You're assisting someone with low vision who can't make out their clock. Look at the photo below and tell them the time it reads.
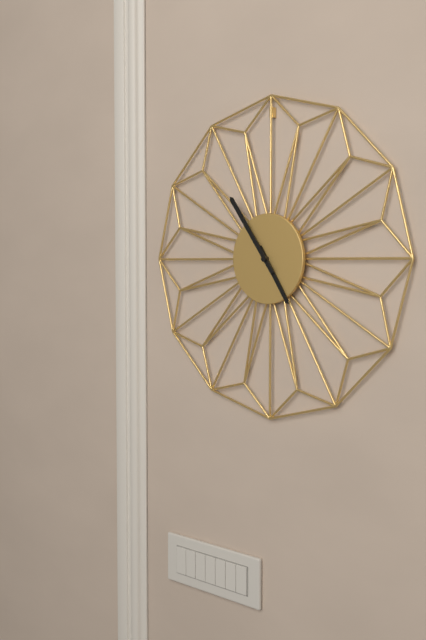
4:54
